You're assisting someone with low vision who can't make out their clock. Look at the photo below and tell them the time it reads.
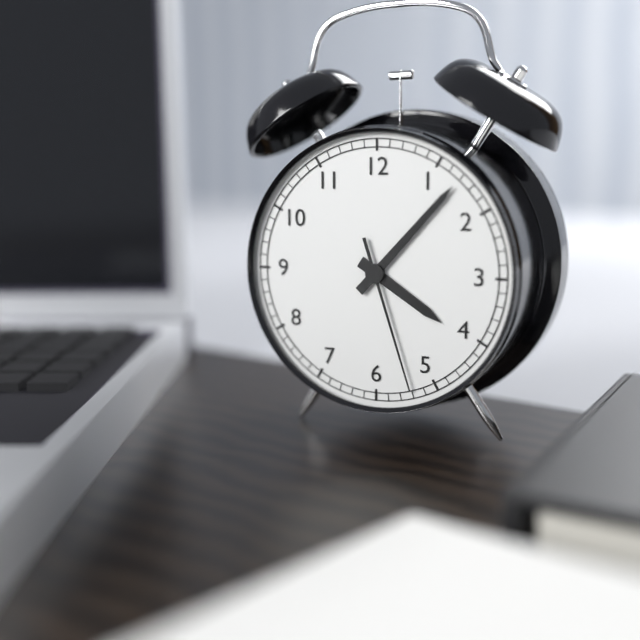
4:07:27
